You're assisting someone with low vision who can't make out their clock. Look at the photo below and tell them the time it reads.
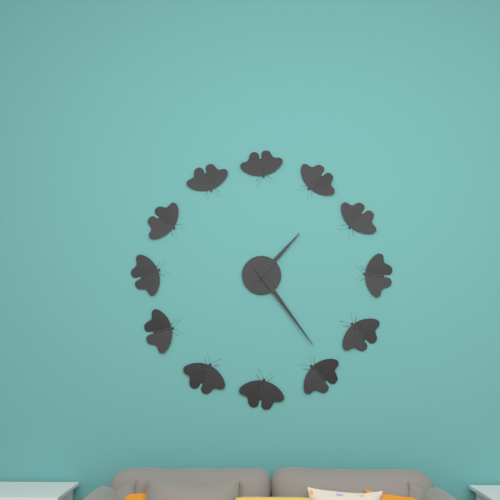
1:24
